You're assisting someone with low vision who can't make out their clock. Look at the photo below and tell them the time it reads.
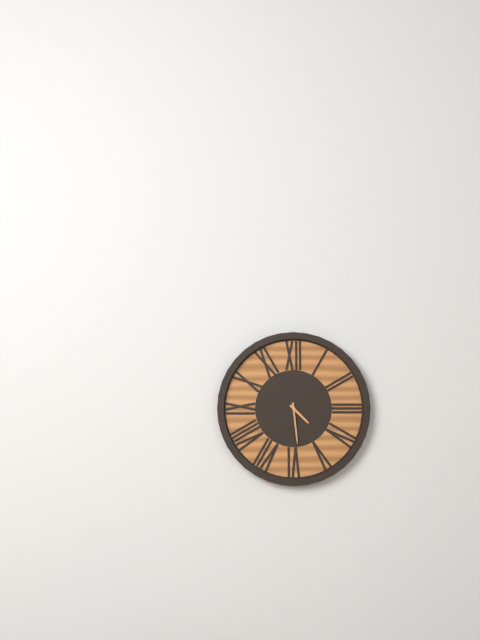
4:29
